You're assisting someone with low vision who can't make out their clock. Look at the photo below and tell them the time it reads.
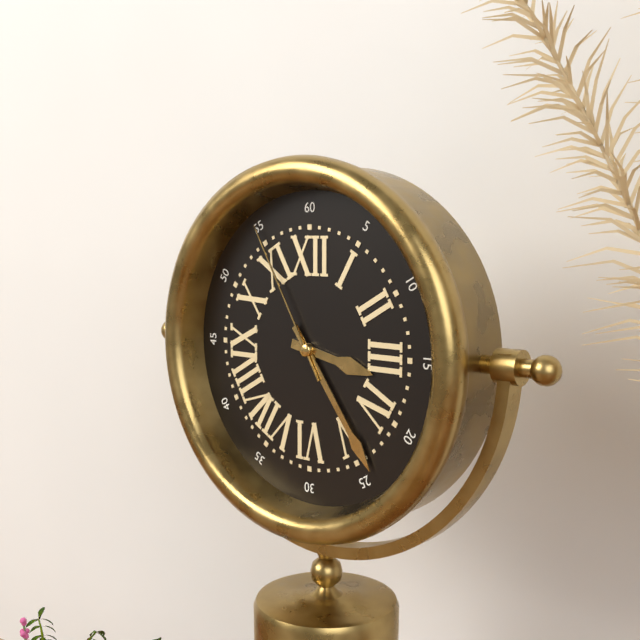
3:24:55
